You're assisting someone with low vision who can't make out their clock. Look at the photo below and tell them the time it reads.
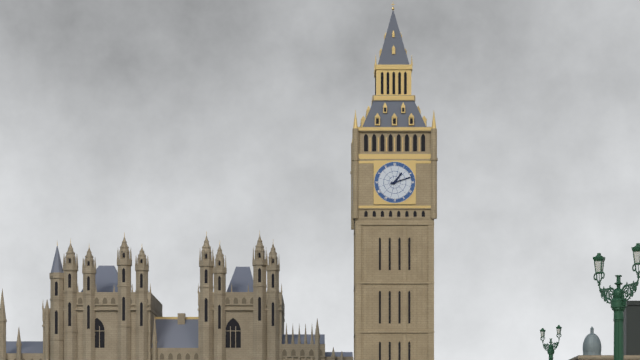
1:12
